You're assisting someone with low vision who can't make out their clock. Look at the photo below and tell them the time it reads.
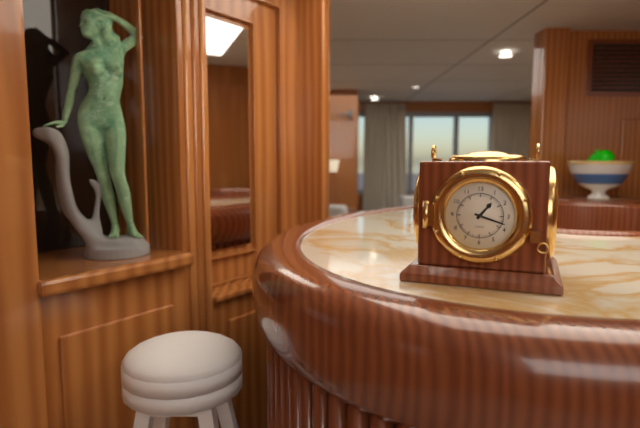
1:18
